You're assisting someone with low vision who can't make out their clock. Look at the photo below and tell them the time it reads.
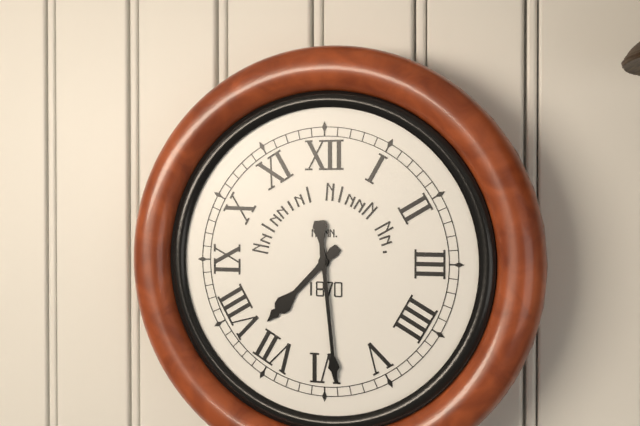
7:29
